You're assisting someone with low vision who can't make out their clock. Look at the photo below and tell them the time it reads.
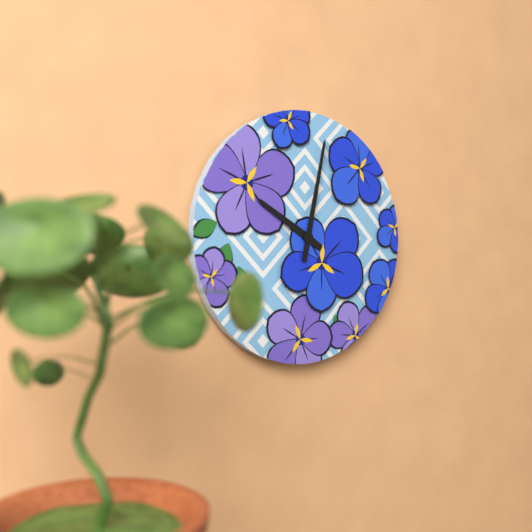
10:02
